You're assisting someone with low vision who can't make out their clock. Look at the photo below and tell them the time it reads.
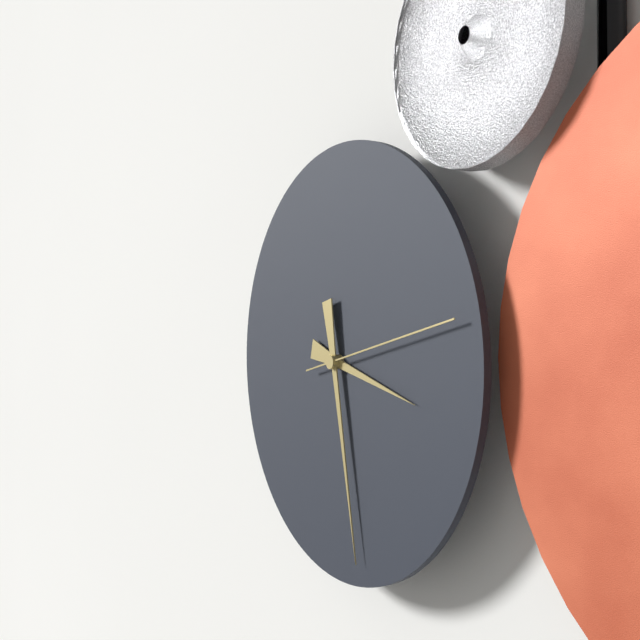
3:28:13
